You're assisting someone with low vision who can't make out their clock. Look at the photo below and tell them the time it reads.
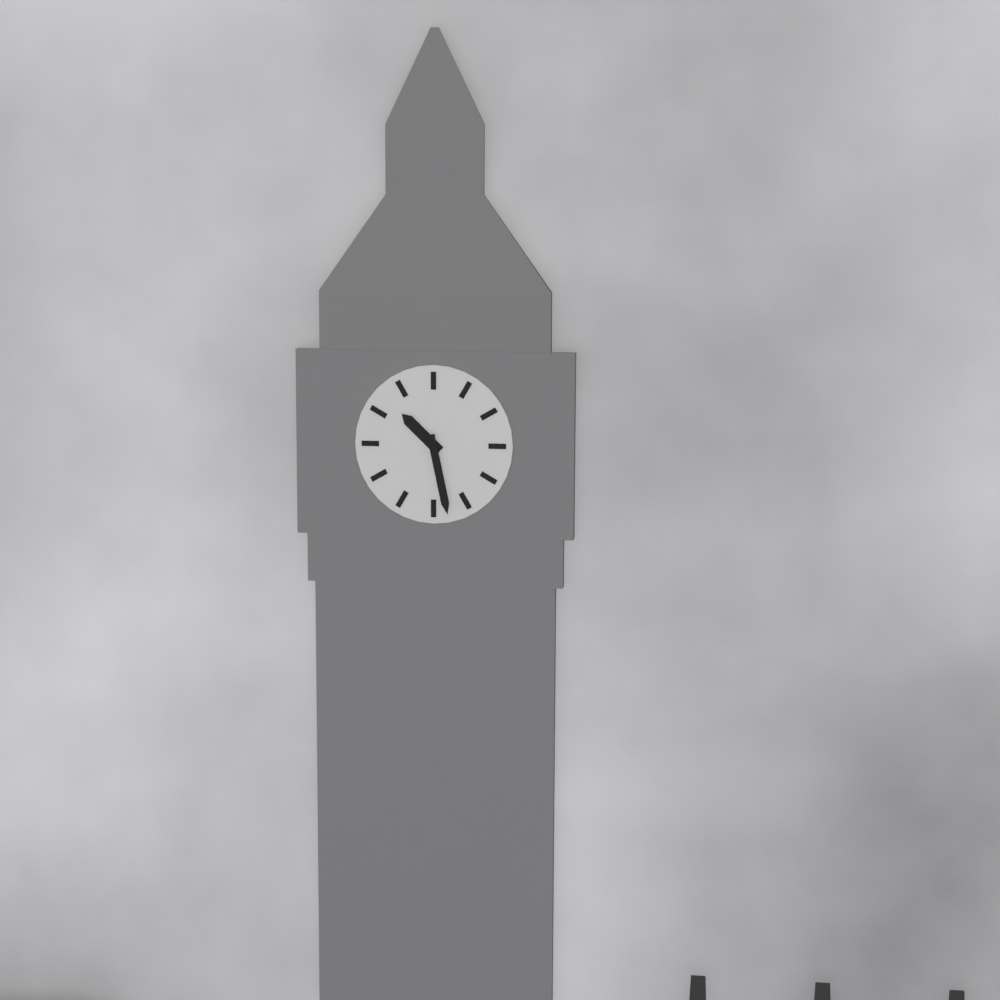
10:28
